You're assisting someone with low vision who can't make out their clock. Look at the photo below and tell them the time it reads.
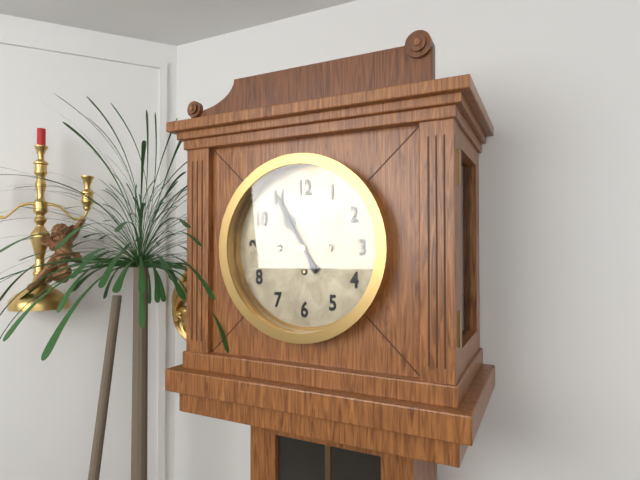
10:55
